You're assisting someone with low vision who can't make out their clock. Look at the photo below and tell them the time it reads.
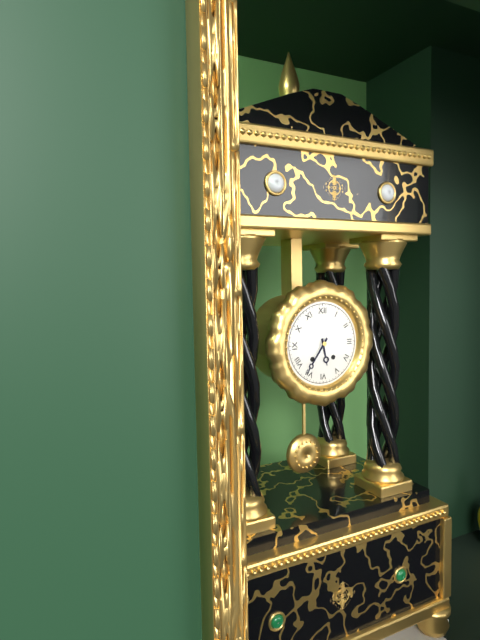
5:36
